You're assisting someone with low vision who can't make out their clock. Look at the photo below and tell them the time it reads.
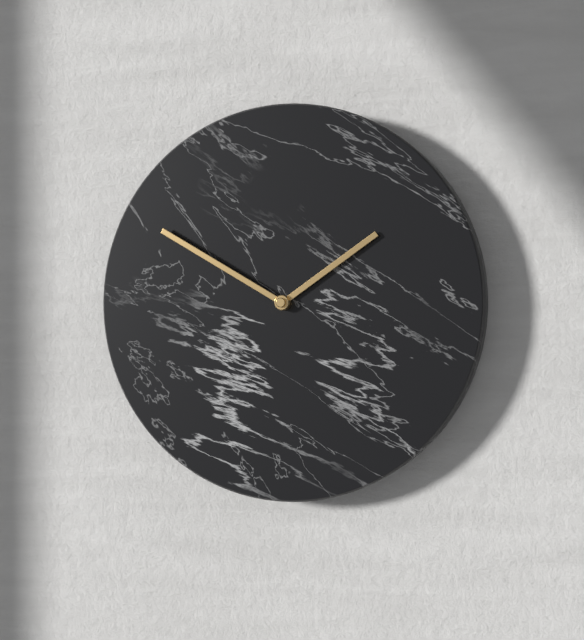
1:50
